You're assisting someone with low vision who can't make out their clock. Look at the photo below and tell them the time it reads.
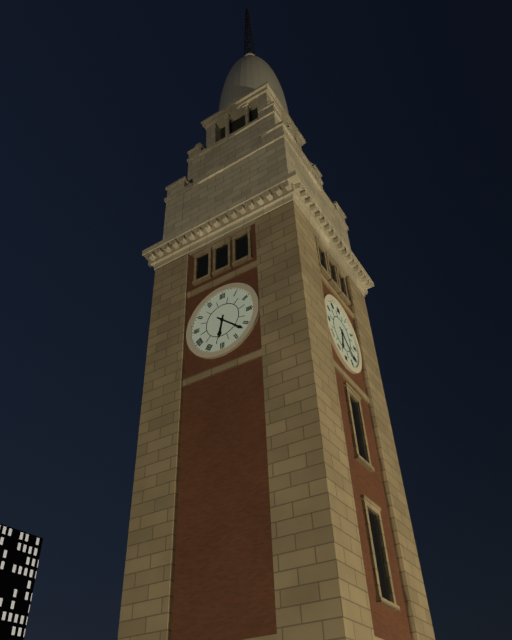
6:22
